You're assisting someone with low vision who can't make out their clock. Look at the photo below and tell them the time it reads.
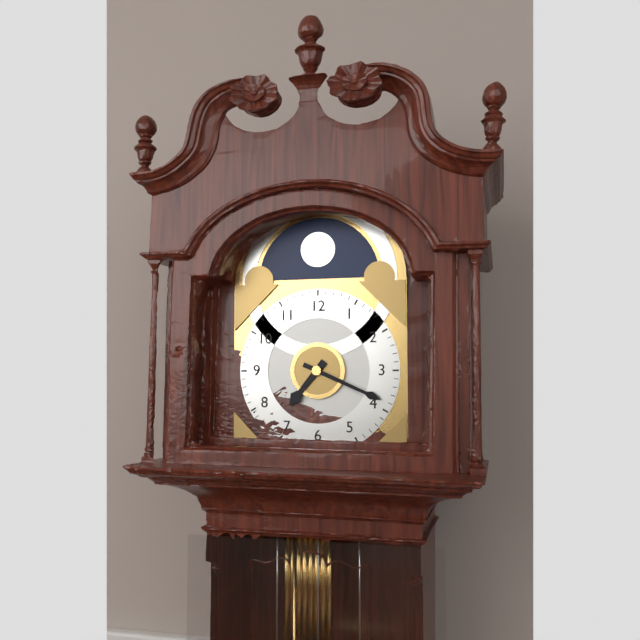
7:19
